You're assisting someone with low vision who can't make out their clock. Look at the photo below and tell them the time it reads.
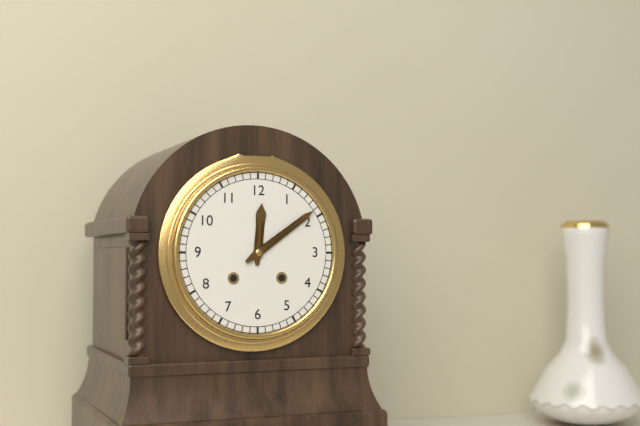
12:09
